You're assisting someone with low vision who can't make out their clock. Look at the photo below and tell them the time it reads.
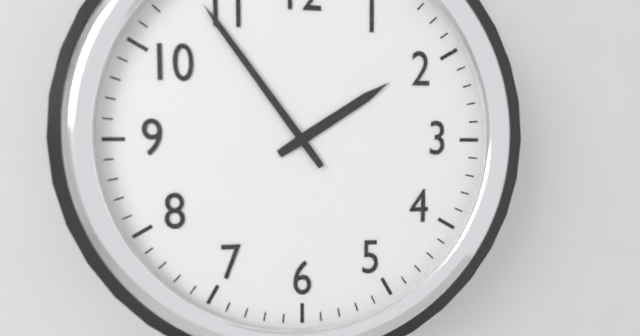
1:54
